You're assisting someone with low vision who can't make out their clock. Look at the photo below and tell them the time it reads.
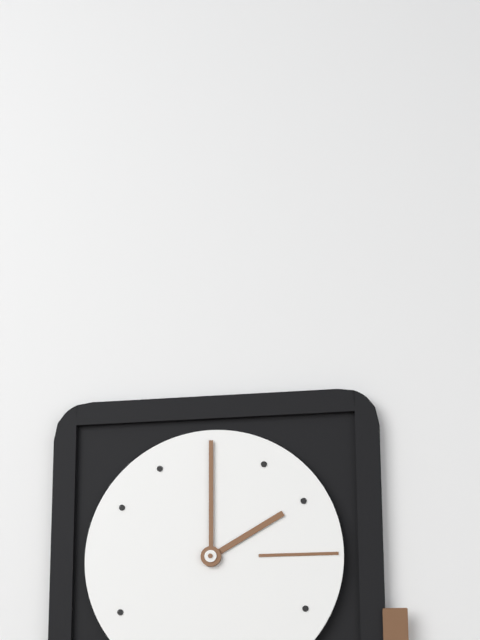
2:00
